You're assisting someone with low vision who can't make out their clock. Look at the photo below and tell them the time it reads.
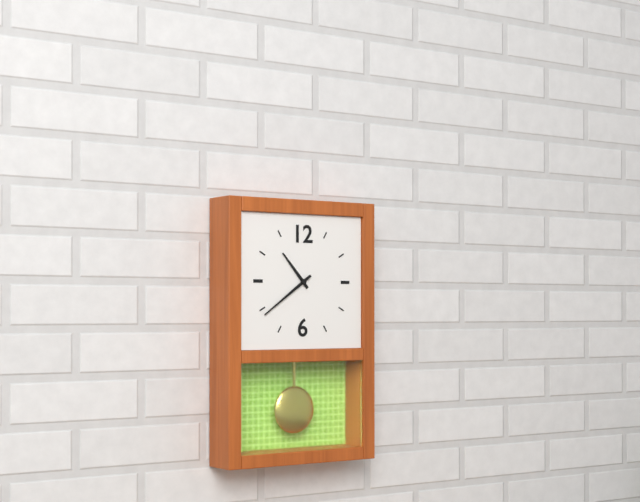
10:39
